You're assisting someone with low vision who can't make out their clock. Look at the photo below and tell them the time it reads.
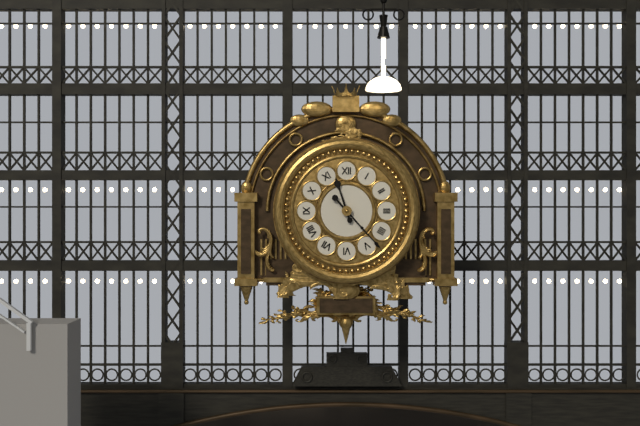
11:23
